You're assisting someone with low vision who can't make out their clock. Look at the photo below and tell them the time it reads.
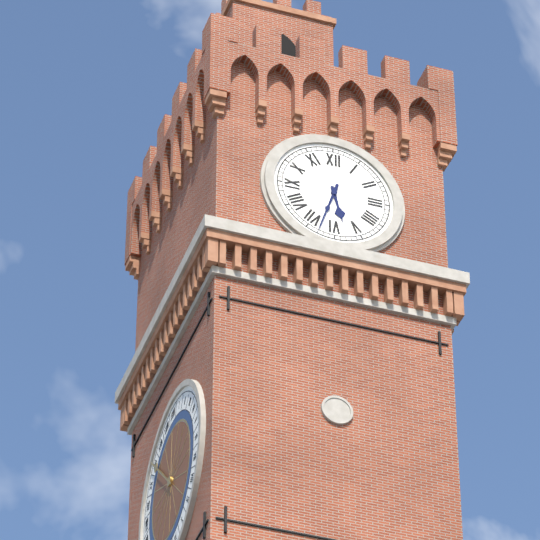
5:33
